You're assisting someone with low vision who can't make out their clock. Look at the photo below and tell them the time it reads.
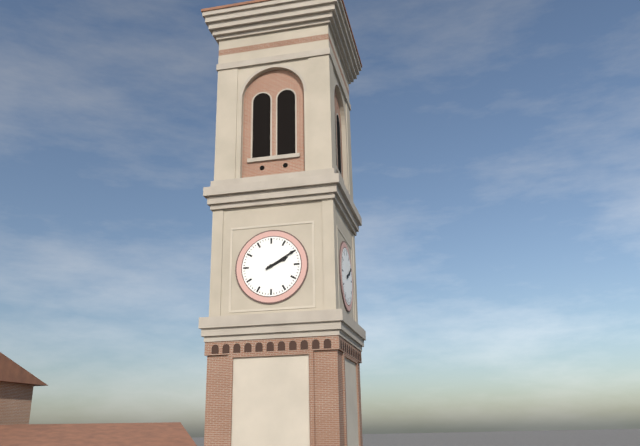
2:10
